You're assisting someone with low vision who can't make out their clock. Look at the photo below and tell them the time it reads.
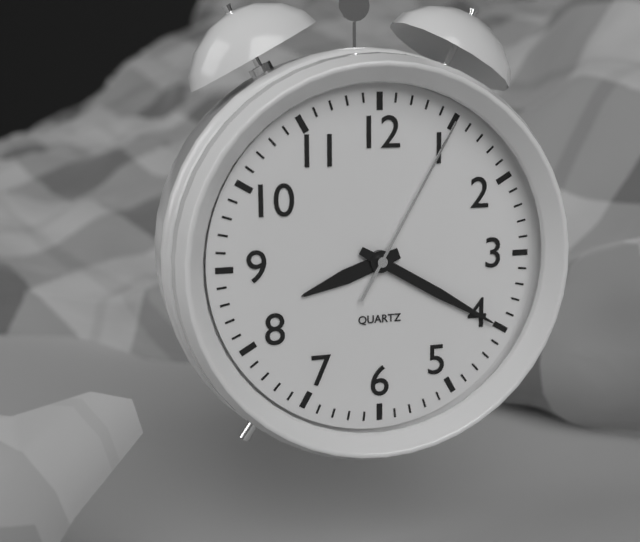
8:20:05
